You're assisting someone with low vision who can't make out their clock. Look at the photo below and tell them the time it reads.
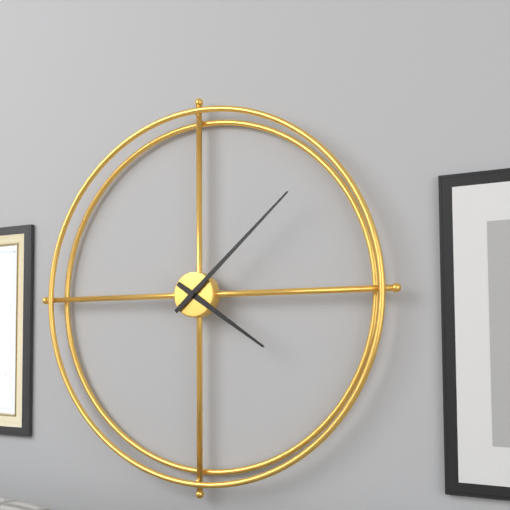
4:08
